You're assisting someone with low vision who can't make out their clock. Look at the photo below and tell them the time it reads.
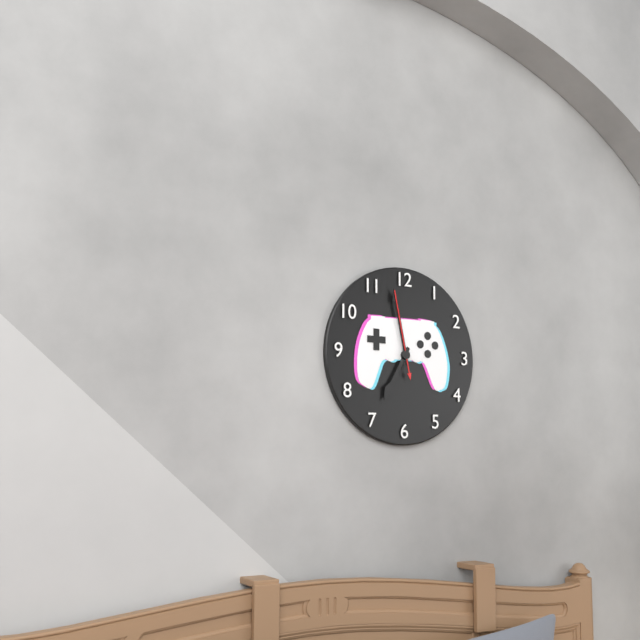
6:58:58
